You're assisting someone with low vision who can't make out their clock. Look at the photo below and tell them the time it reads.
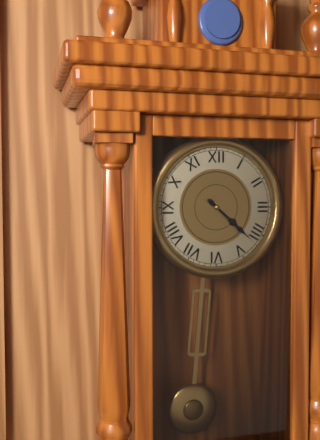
4:22
